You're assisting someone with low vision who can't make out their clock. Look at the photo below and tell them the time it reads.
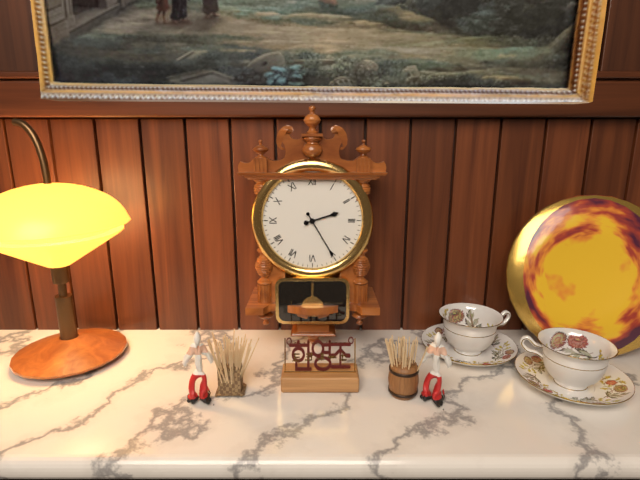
2:25
